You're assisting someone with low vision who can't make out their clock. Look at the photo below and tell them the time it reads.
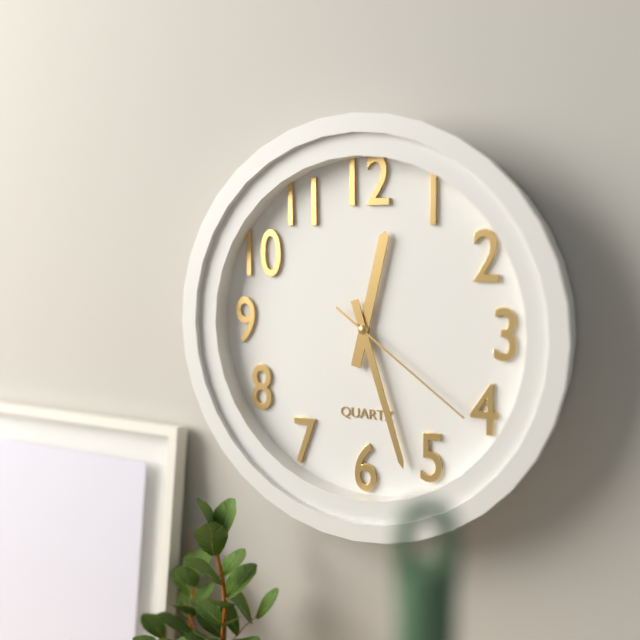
12:27:21
